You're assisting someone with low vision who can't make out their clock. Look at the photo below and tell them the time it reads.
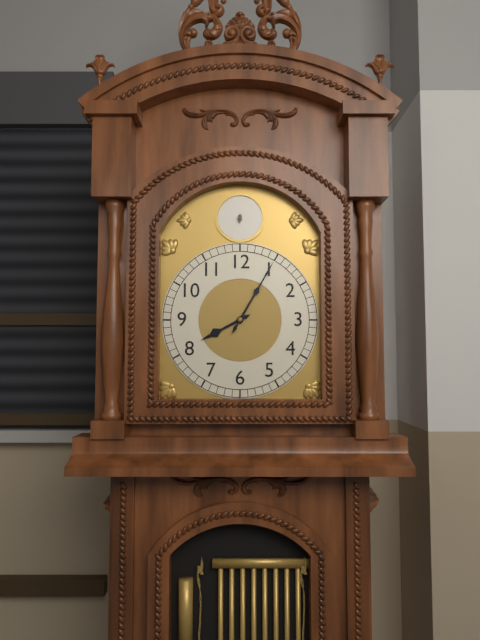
8:05
